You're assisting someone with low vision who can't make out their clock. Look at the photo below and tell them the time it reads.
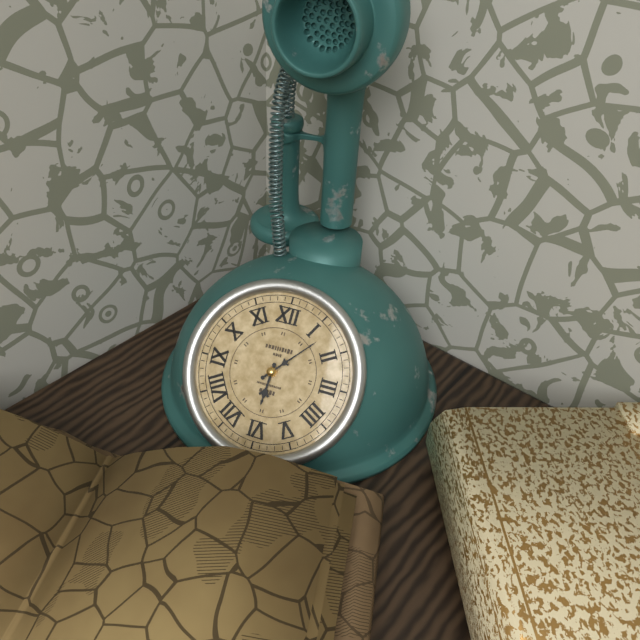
6:07
